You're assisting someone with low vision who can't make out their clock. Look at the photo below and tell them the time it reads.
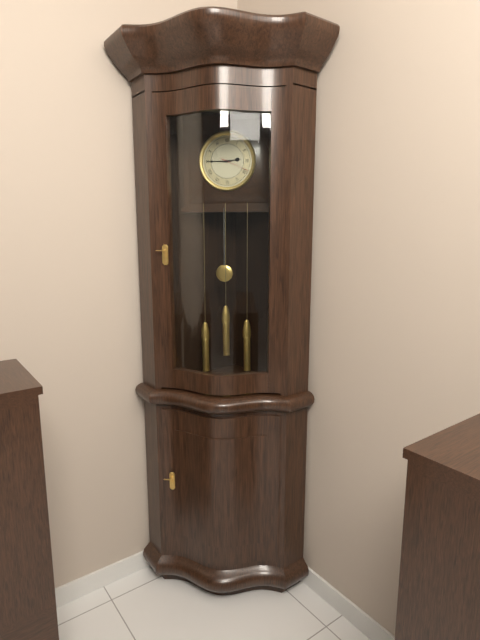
2:45
